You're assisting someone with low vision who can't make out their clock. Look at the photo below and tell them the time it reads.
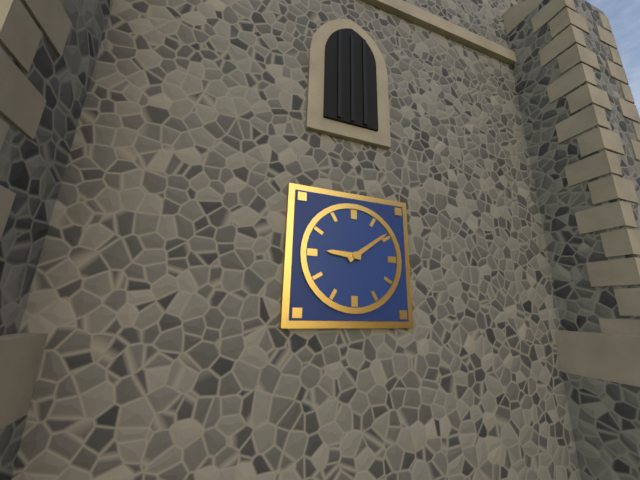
9:09
